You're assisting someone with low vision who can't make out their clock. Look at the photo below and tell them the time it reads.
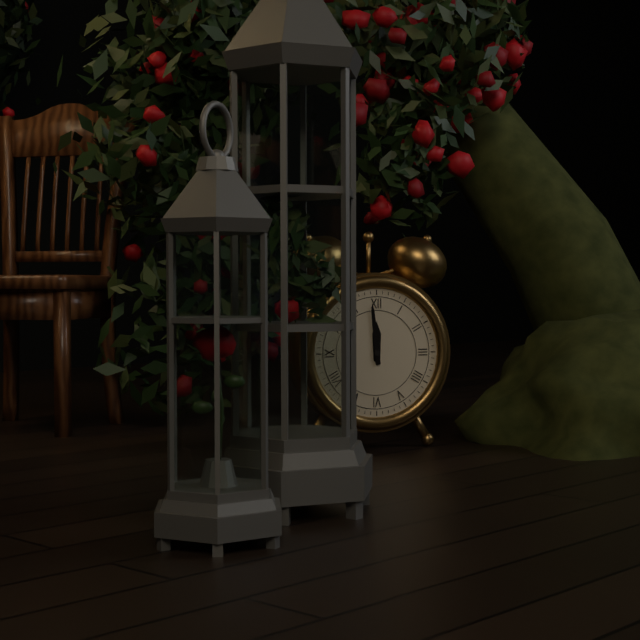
11:59
